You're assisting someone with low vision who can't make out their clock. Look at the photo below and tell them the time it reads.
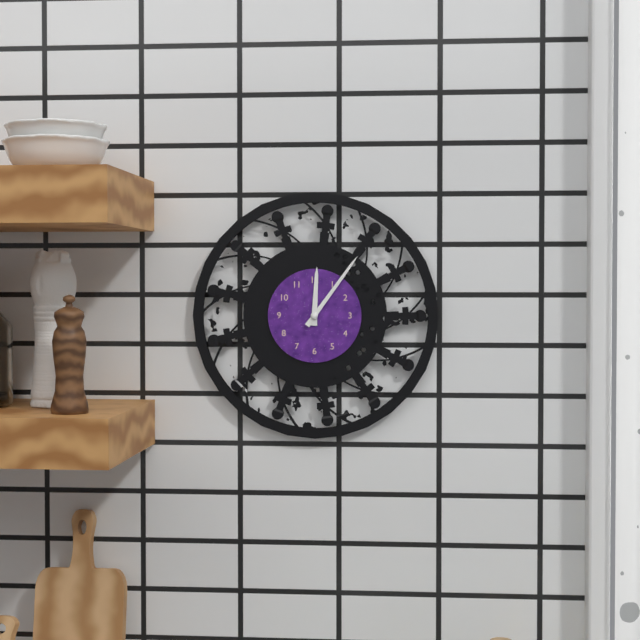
12:06
